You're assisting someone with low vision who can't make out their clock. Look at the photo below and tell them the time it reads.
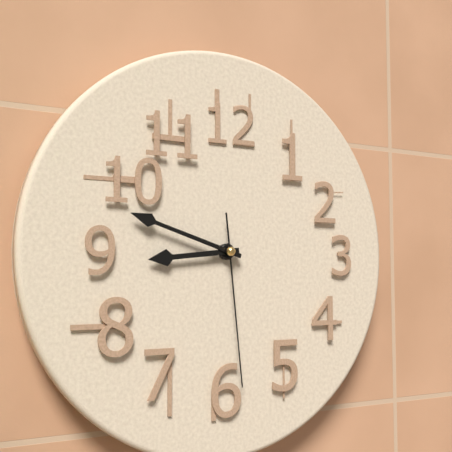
8:48:29
